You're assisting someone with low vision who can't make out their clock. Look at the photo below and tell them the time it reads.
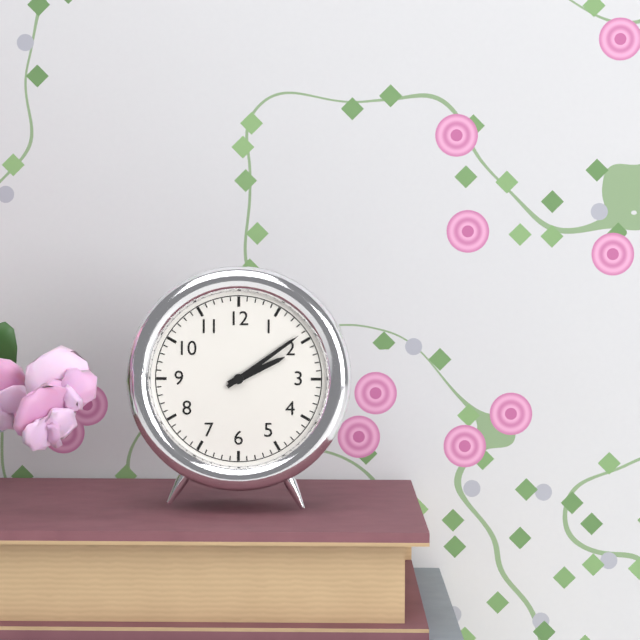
2:09
